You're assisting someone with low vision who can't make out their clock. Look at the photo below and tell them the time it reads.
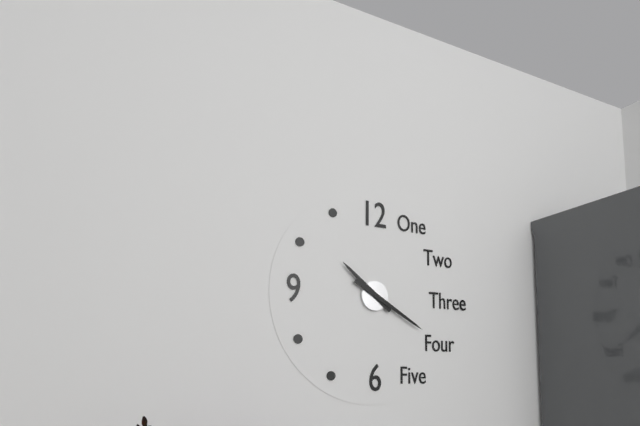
10:20
